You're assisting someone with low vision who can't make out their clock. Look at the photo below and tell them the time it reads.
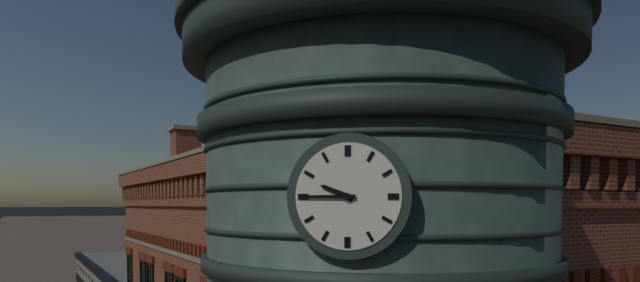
9:45
